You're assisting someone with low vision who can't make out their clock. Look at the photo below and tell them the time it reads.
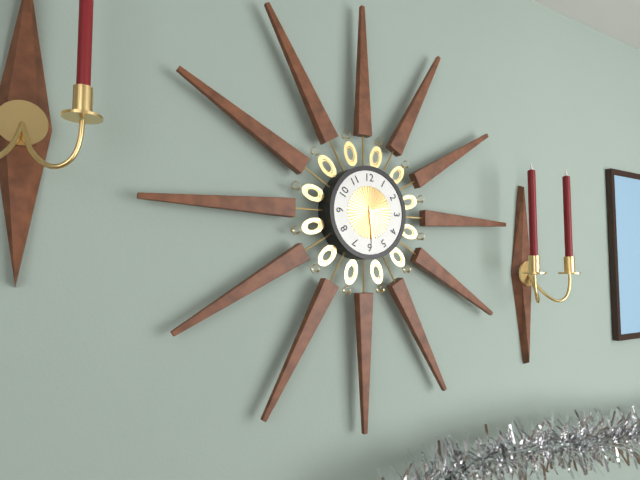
2:29
